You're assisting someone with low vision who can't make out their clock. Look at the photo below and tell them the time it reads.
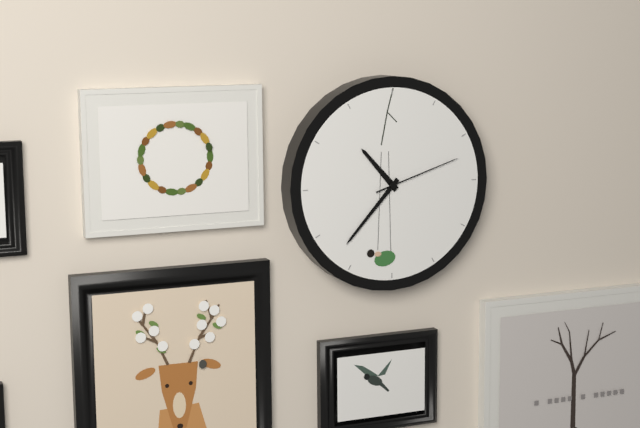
10:37:12
